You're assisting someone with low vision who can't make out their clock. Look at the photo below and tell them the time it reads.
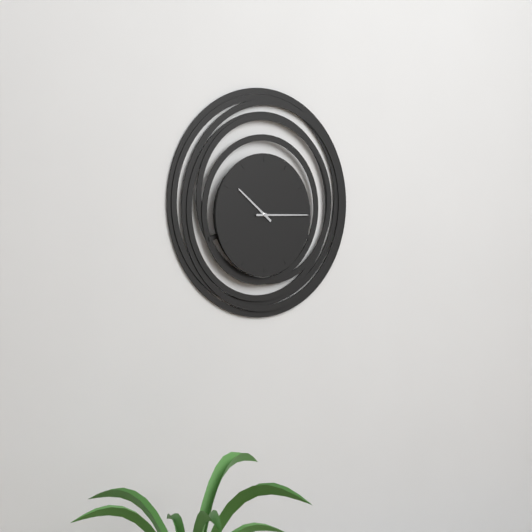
10:15
